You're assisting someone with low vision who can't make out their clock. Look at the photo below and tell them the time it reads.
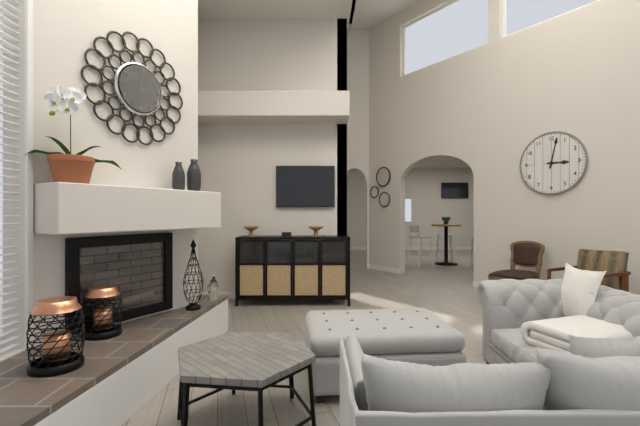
3:02
